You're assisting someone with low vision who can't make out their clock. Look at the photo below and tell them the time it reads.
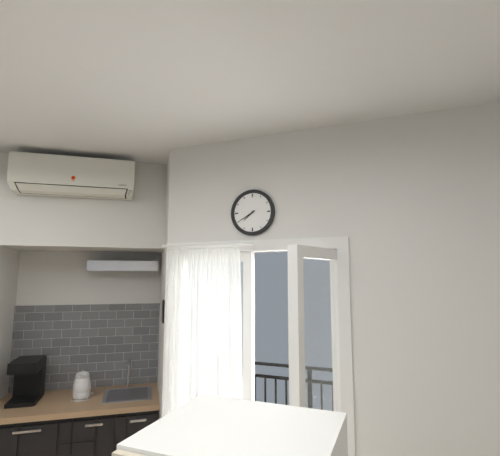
7:40
